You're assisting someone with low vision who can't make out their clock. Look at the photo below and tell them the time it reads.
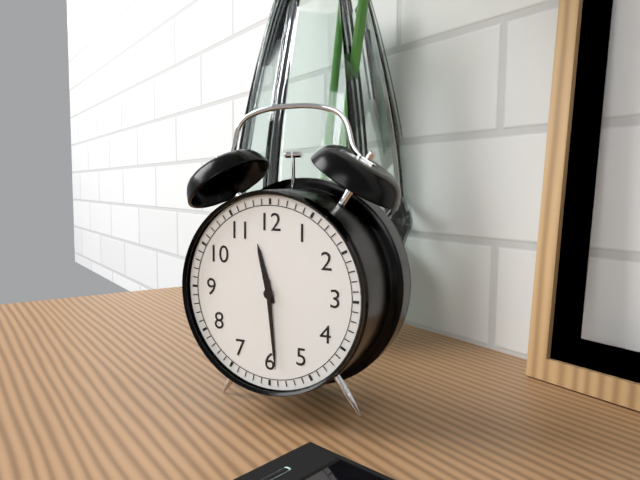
11:29
